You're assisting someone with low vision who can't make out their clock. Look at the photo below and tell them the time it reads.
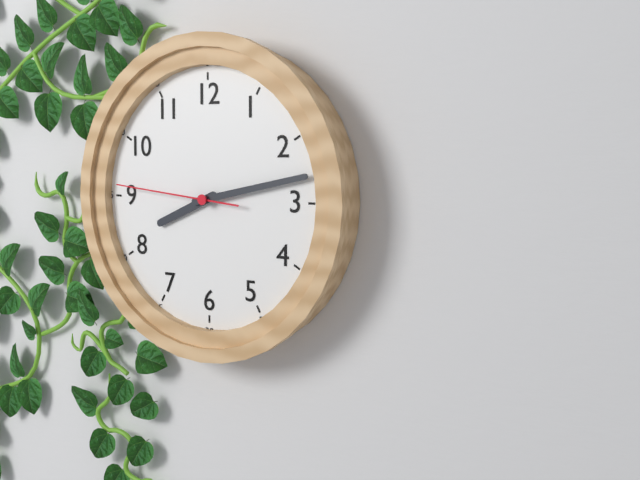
8:13:46
